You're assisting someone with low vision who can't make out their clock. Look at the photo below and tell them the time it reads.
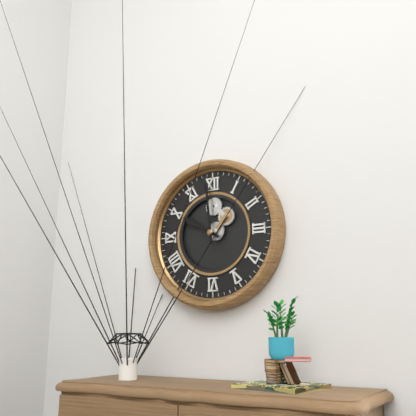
9:59
